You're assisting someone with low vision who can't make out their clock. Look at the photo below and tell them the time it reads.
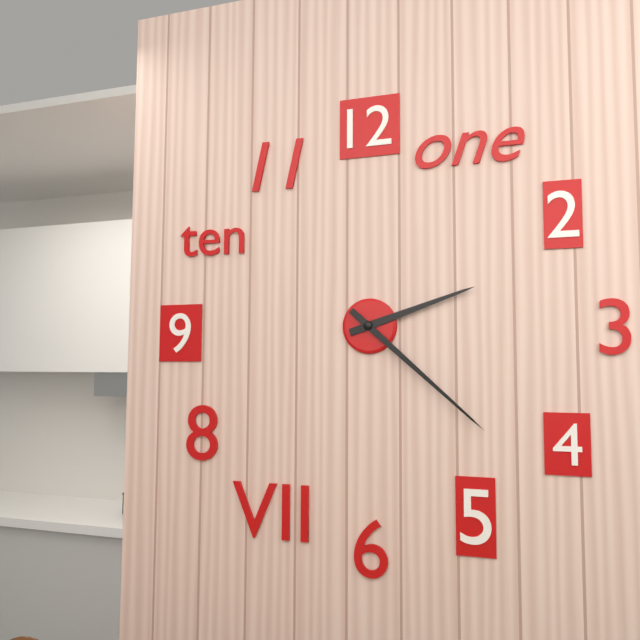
2:22
